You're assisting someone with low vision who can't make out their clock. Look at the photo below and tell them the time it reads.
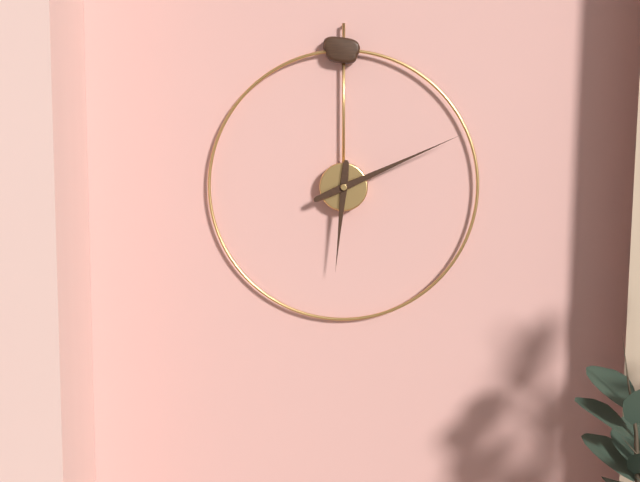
6:11
